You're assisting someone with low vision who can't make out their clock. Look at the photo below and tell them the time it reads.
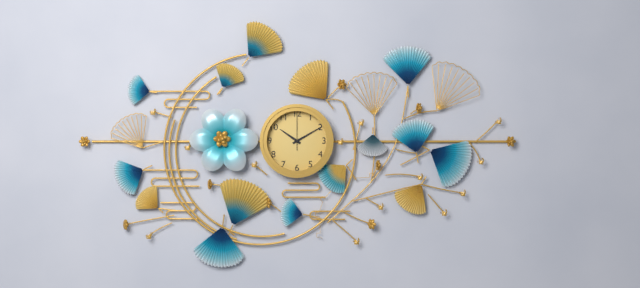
10:10
